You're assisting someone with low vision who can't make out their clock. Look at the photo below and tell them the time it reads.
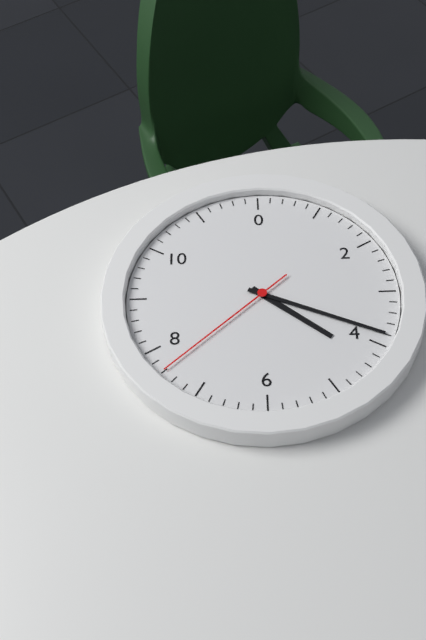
4:19:38
